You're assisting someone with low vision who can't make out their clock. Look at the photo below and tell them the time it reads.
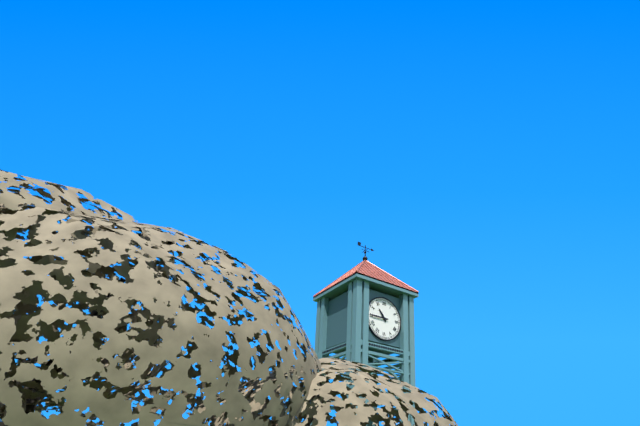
10:45
